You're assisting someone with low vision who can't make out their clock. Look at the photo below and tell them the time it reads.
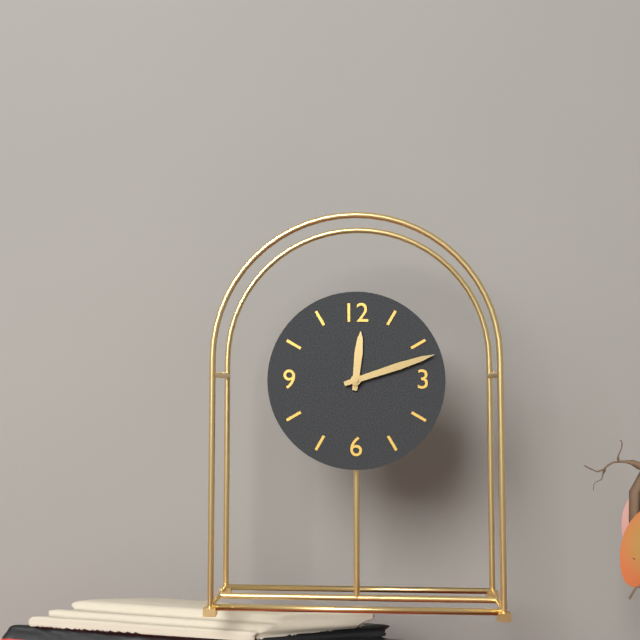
12:12
